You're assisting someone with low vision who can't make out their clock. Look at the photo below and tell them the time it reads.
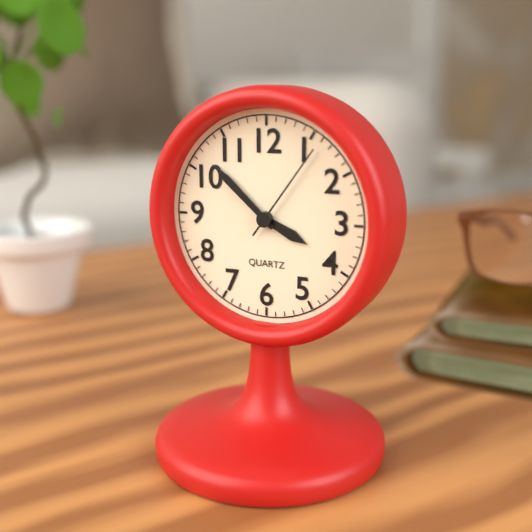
3:52:06
